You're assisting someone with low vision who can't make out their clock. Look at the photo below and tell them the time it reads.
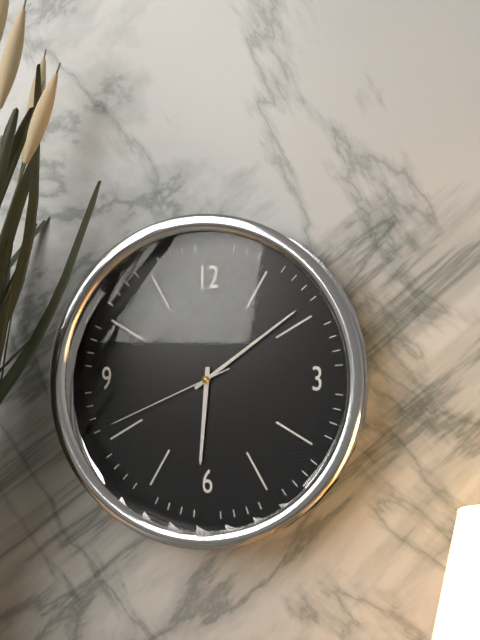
6:09:41
